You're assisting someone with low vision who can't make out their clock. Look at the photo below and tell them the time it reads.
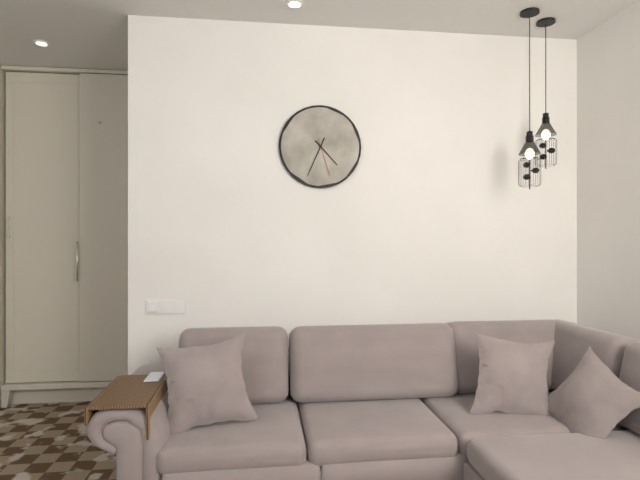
4:34
